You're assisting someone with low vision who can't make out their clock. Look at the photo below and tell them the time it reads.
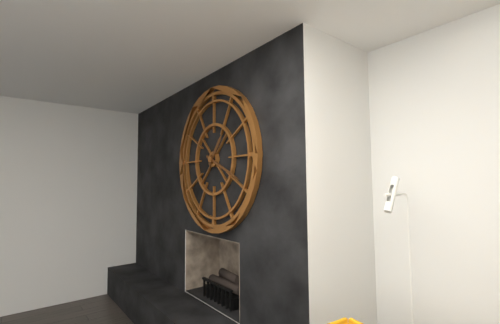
1:19
